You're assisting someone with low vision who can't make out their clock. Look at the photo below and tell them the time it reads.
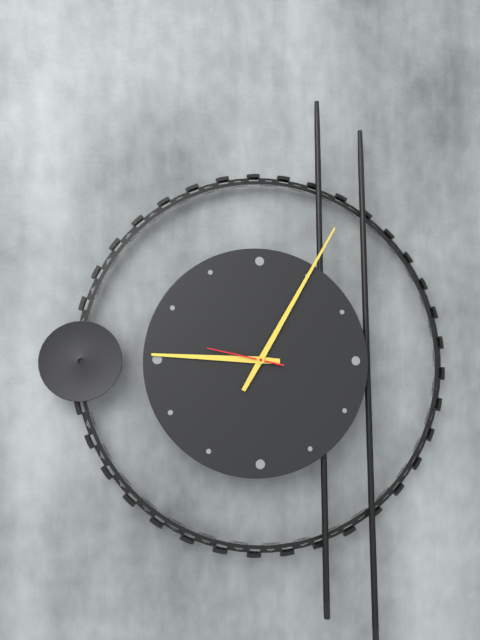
9:05:47
